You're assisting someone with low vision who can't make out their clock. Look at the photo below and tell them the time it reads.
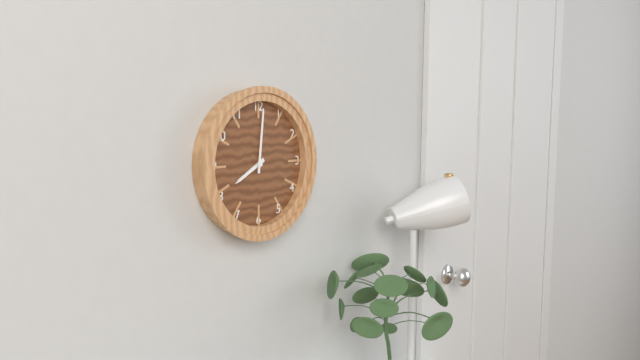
8:01
